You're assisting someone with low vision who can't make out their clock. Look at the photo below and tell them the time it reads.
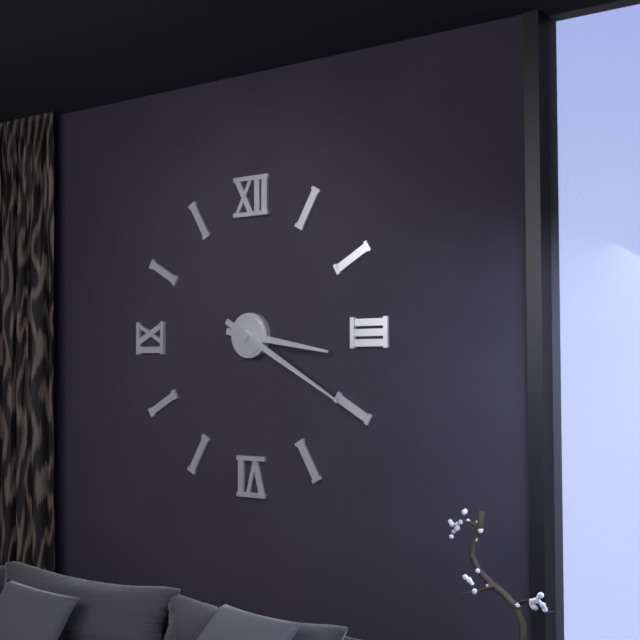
3:20
